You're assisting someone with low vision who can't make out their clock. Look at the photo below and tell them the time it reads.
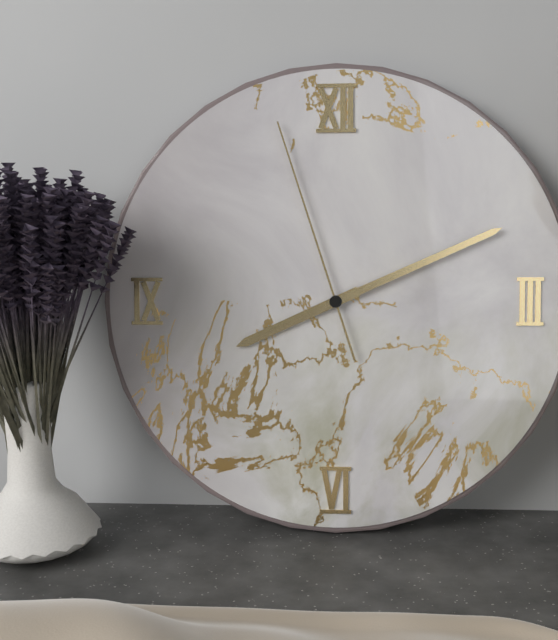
8:11:57
